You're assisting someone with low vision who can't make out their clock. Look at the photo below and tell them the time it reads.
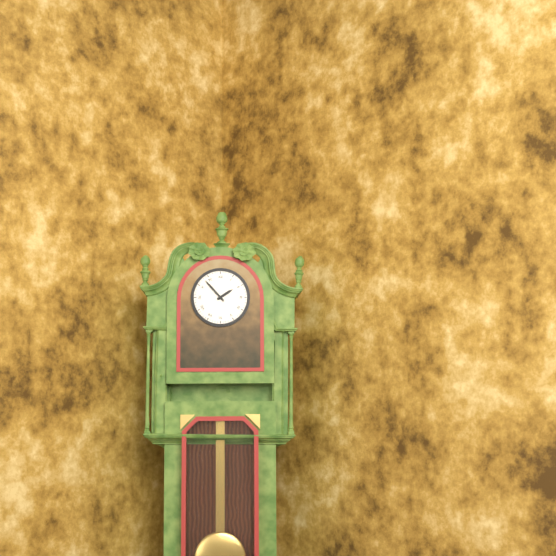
1:53
